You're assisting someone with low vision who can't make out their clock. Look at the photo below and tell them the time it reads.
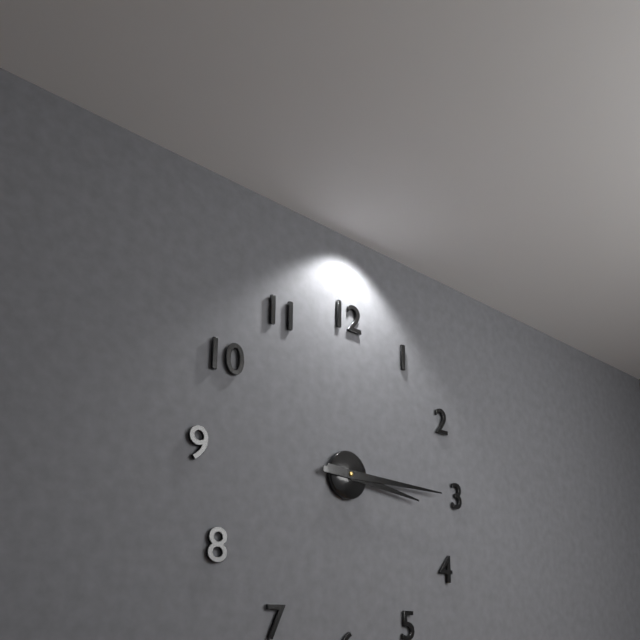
3:15
